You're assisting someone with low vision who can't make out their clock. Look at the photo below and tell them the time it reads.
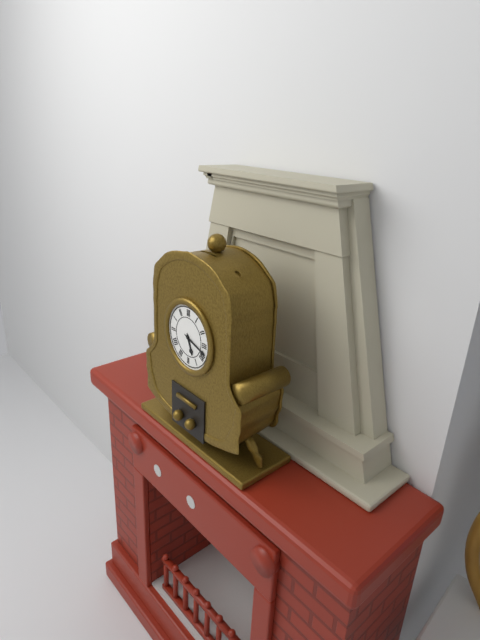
5:18
